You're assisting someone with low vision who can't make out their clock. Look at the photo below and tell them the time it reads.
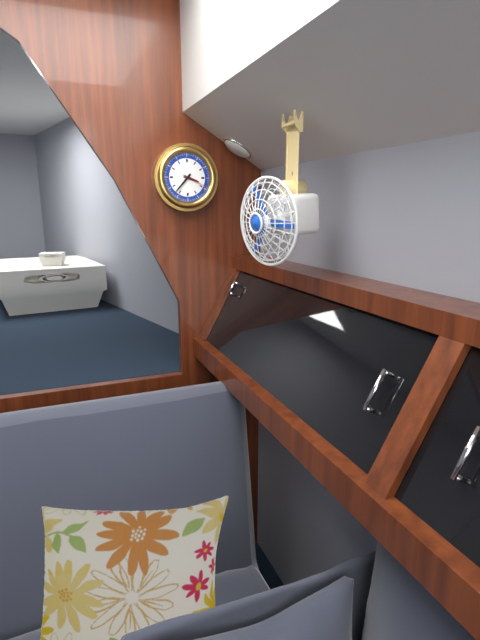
3:37
